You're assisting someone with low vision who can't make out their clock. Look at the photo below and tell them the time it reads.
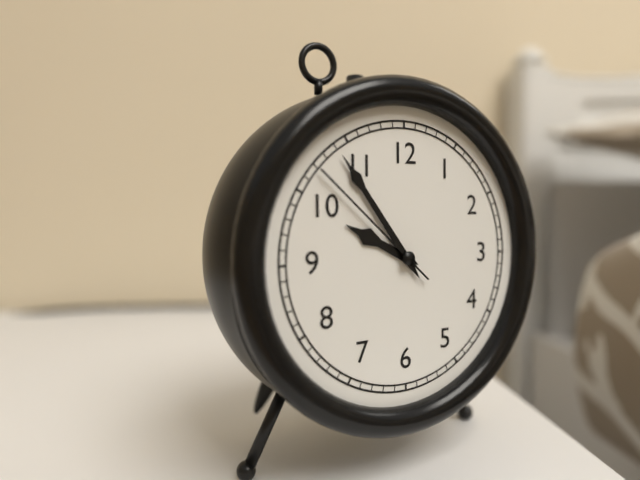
9:54:52
